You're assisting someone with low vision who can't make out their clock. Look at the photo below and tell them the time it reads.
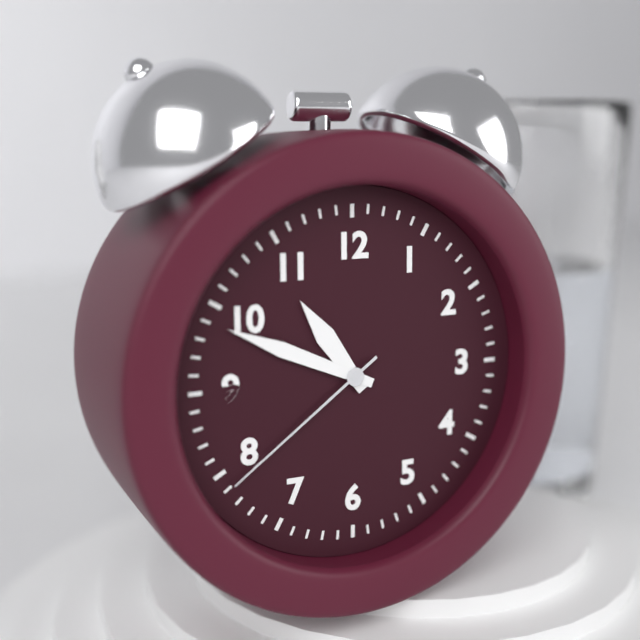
10:49:39
